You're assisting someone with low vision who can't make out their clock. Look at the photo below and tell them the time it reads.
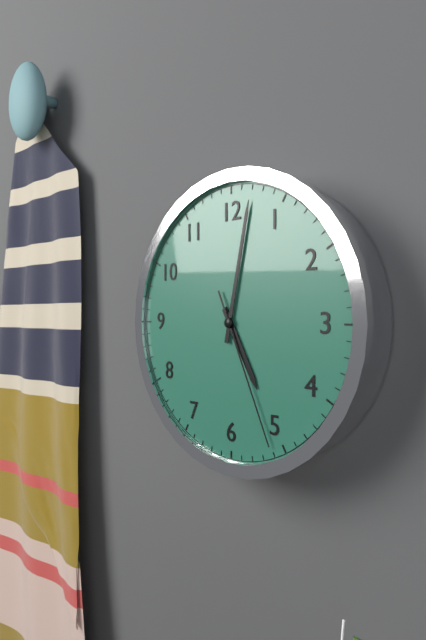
5:02:26
